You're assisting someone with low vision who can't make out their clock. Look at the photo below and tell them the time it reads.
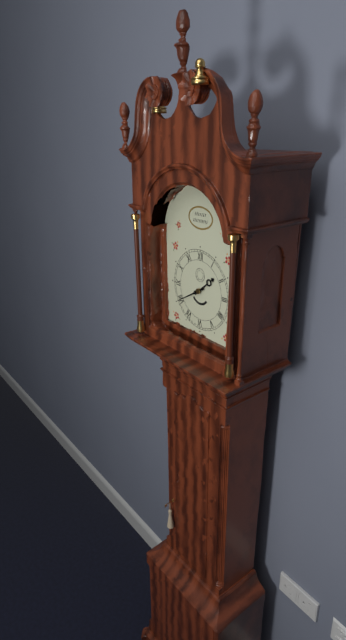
1:40
